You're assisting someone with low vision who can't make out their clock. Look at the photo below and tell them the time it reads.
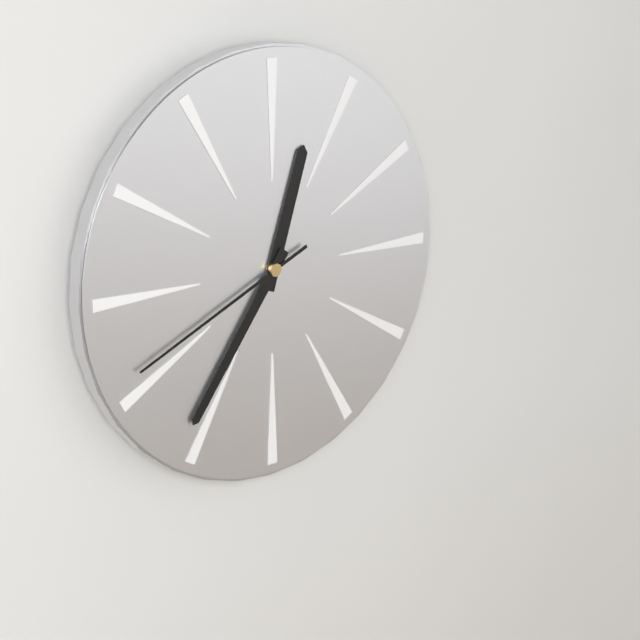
12:36:41
